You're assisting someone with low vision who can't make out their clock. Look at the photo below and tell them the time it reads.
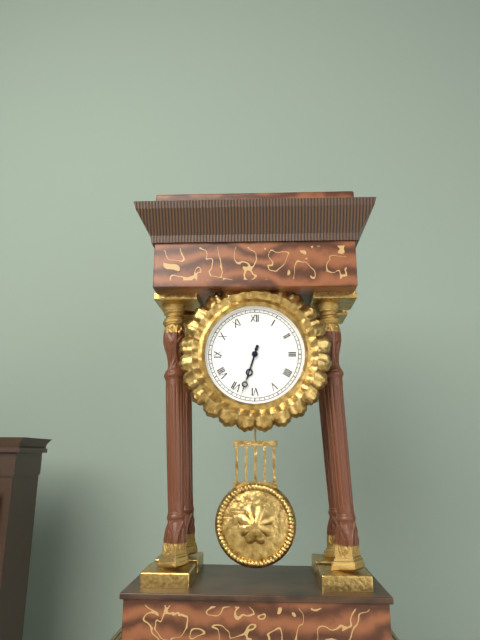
6:33
